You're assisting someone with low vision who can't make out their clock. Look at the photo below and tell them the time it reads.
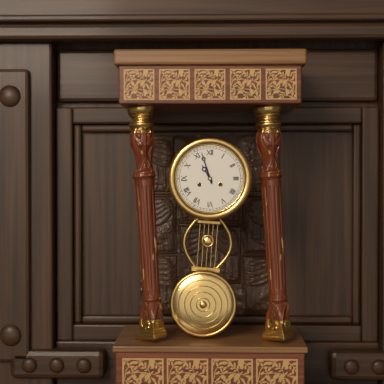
10:57
